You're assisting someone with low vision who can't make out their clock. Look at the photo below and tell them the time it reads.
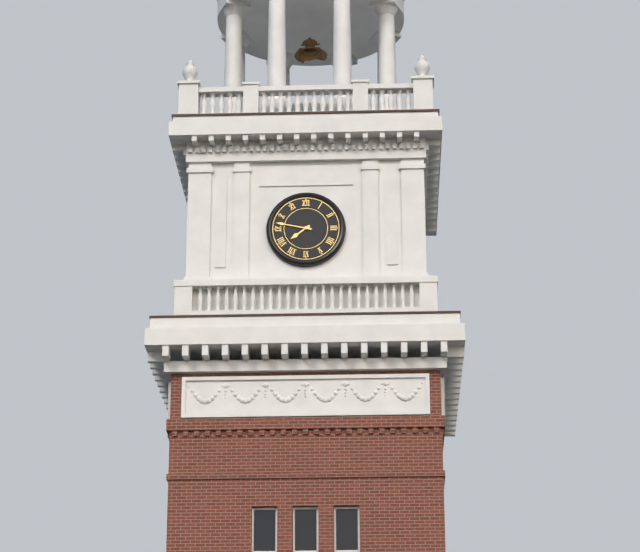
7:47
